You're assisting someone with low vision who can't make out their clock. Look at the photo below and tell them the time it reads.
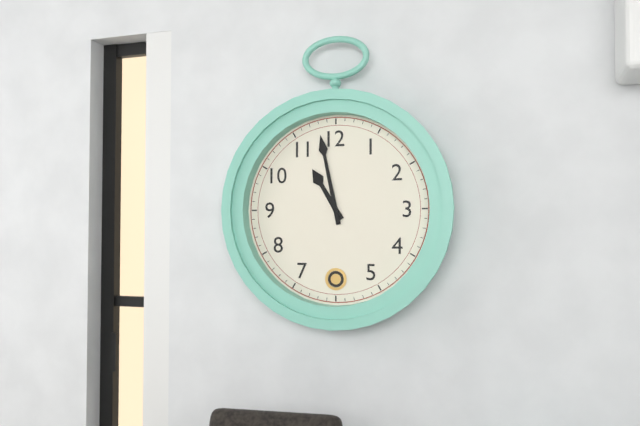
10:58
